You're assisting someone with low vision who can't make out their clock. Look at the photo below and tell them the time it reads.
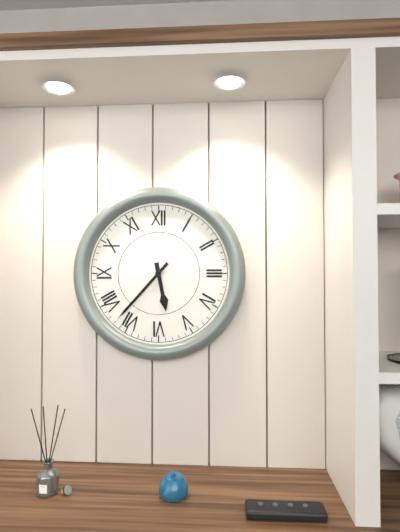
5:37
